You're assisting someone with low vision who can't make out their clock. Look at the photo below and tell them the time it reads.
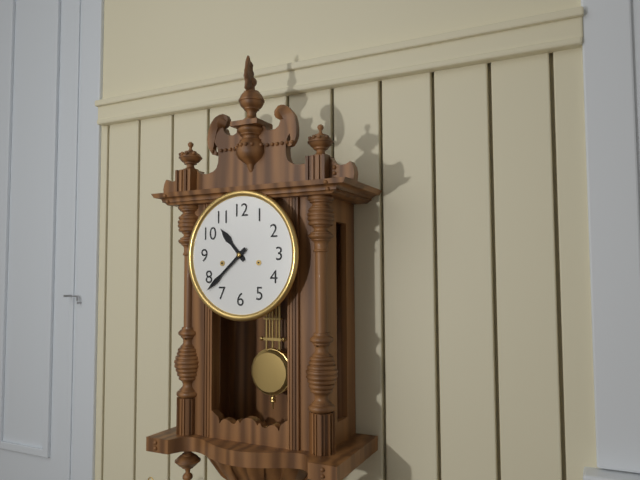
10:38
